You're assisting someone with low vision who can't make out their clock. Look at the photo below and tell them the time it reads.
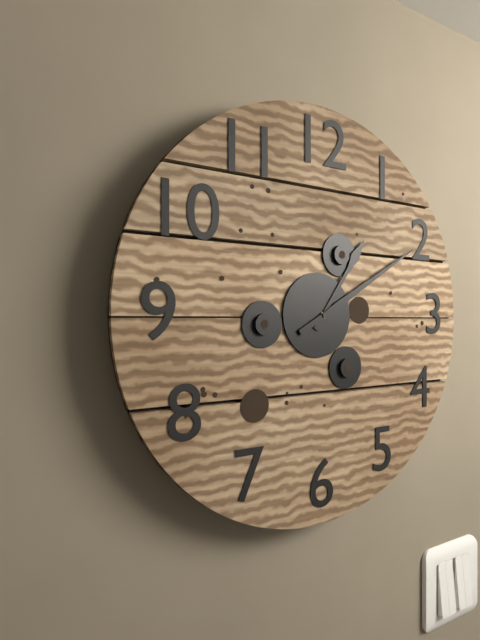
1:10
